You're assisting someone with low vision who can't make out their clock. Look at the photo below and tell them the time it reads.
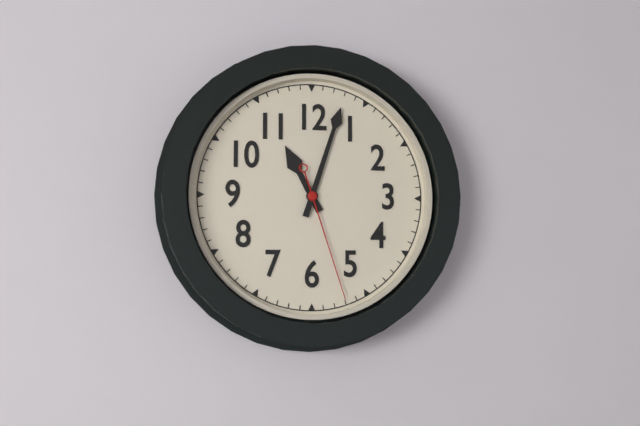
11:03:27
